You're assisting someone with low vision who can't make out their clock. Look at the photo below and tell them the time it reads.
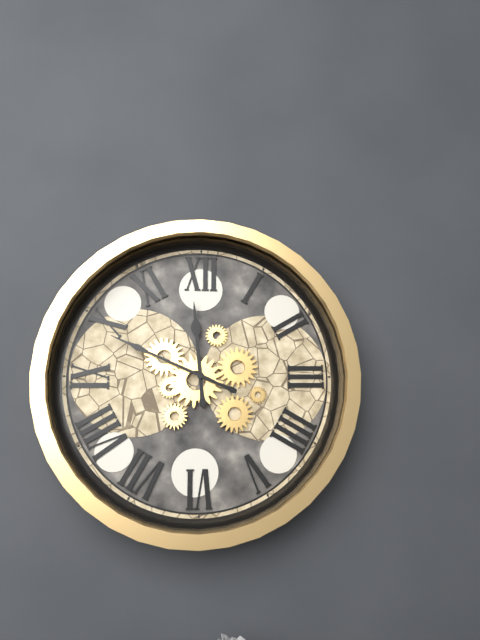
11:49
